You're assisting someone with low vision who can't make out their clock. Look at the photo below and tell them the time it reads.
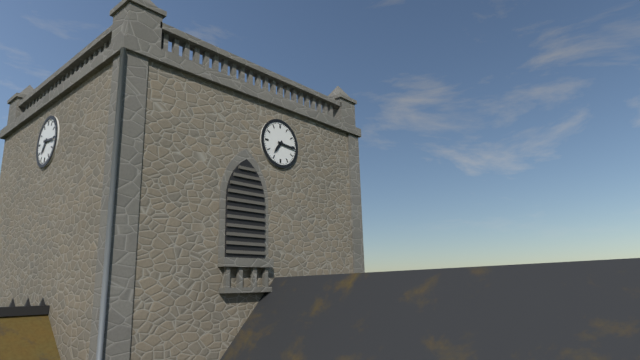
7:16
